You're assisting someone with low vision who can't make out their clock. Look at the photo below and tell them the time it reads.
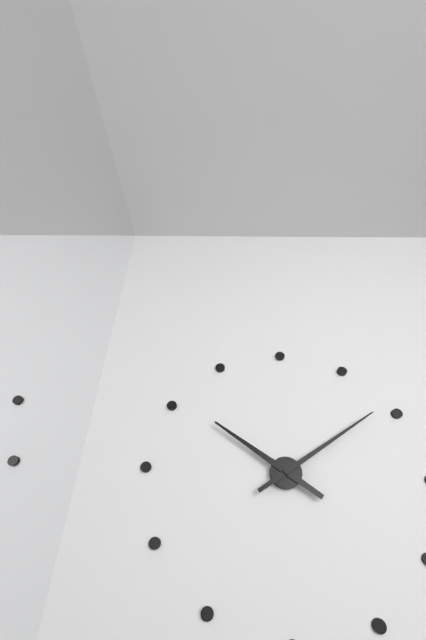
10:09
